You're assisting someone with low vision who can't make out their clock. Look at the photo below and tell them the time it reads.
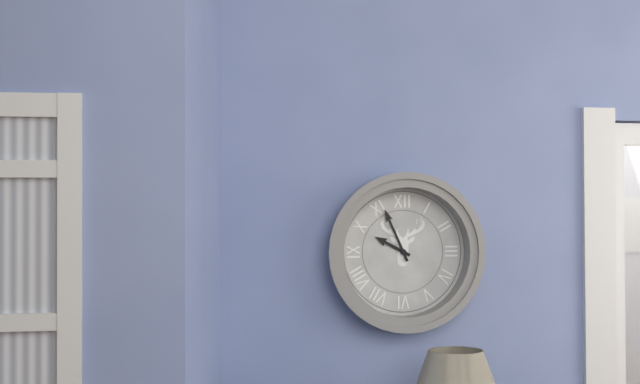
9:56
